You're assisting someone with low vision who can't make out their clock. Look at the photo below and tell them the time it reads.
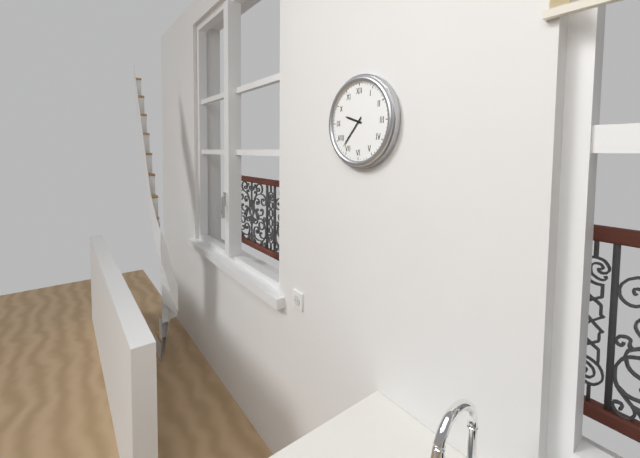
9:37
